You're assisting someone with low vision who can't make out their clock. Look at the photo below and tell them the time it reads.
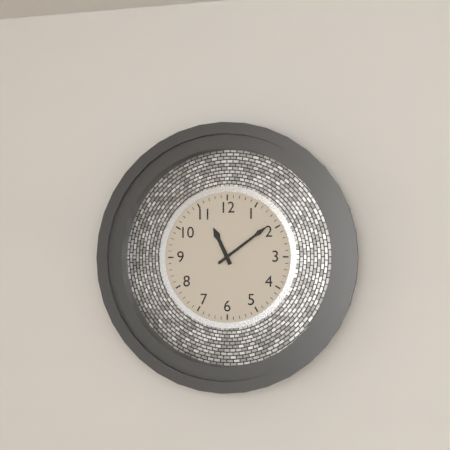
11:09
